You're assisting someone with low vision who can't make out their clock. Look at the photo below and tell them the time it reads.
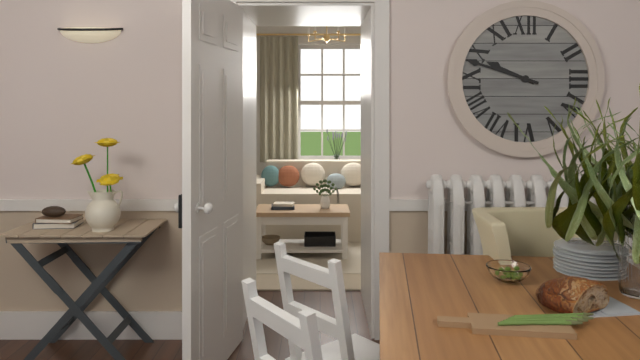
9:48
